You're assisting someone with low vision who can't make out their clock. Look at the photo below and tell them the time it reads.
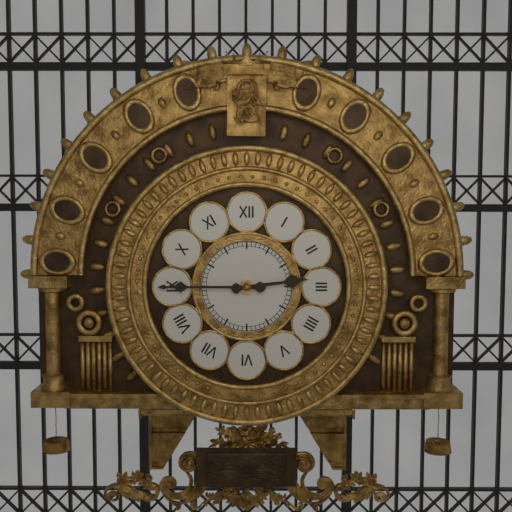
2:45
